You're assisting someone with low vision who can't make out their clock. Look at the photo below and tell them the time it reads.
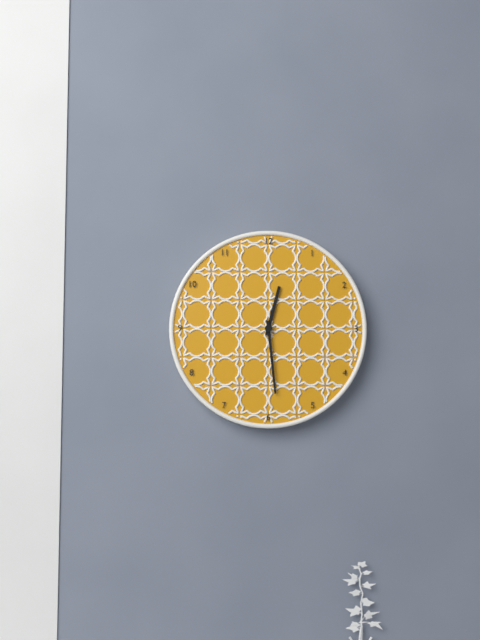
12:29
